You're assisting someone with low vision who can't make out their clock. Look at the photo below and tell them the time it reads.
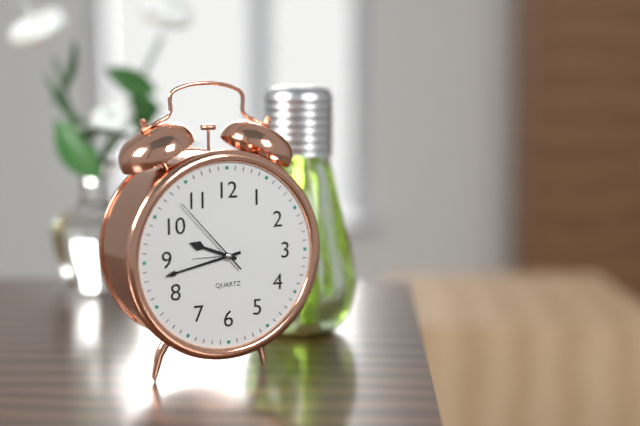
9:43:53
